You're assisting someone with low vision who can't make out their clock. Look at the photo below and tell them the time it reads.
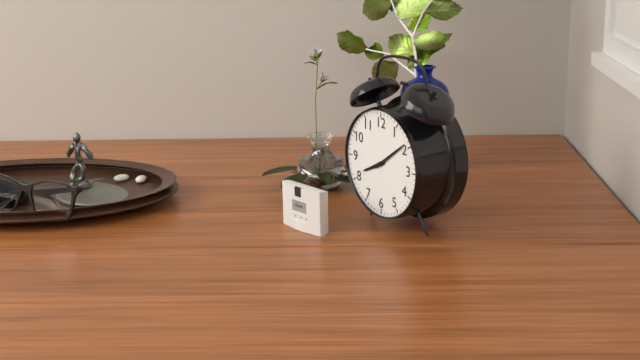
8:09
